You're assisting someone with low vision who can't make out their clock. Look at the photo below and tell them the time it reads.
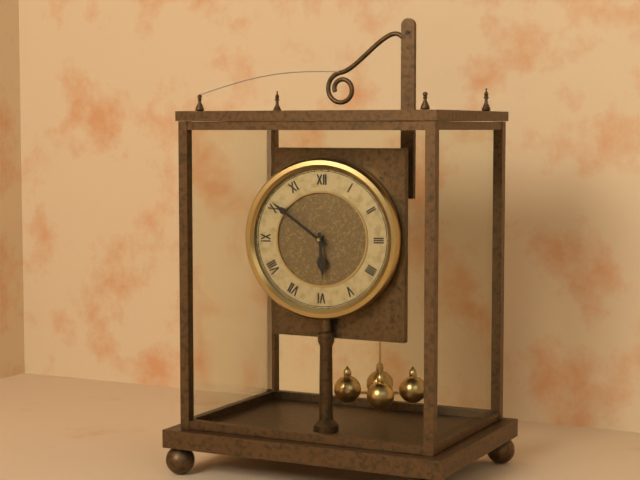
5:51
